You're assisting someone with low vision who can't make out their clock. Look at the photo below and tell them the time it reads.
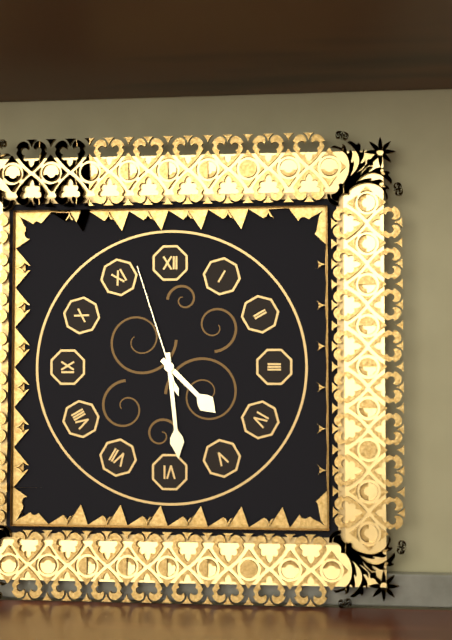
4:29:57
